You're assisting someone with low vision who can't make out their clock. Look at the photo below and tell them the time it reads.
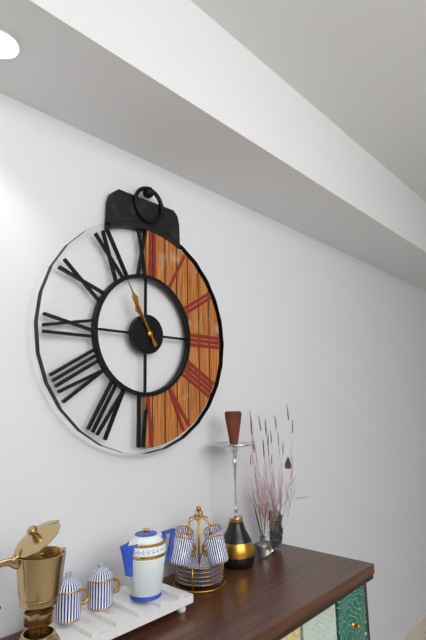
10:55
